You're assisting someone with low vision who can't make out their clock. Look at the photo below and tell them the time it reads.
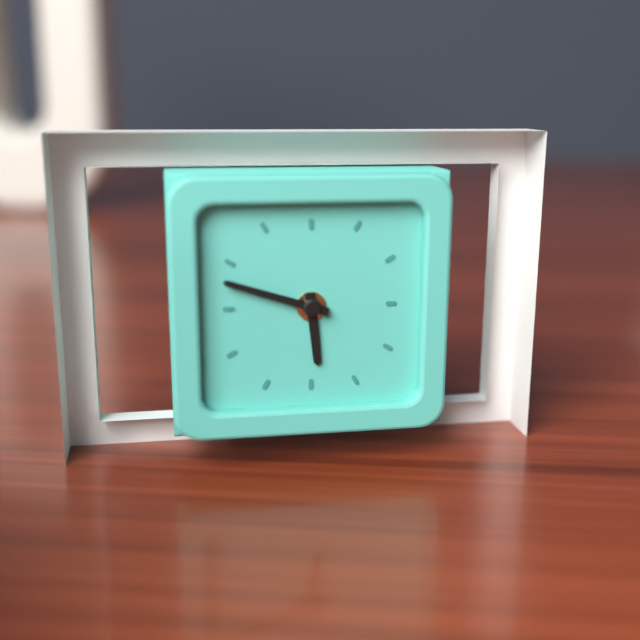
5:48
